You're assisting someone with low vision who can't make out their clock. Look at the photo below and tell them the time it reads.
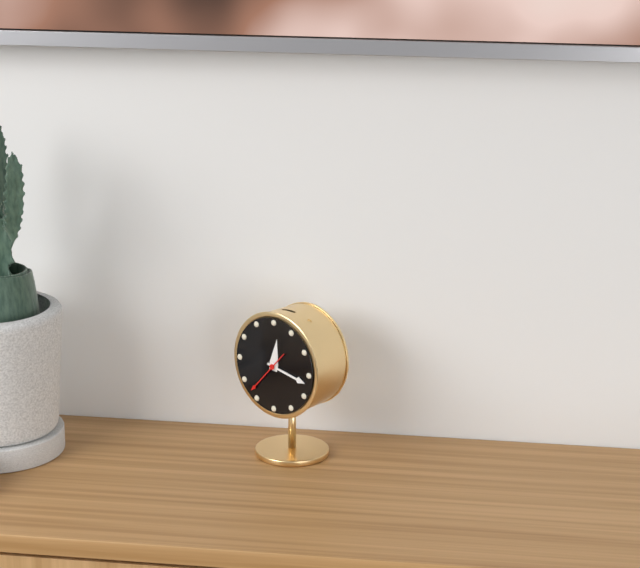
12:17
